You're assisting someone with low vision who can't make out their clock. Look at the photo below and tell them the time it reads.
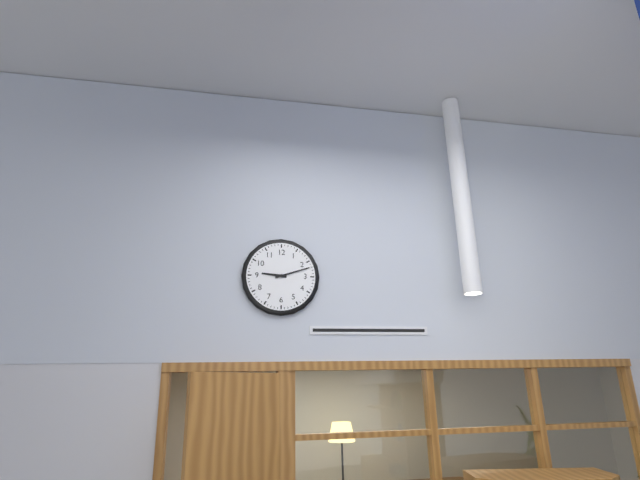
9:12
